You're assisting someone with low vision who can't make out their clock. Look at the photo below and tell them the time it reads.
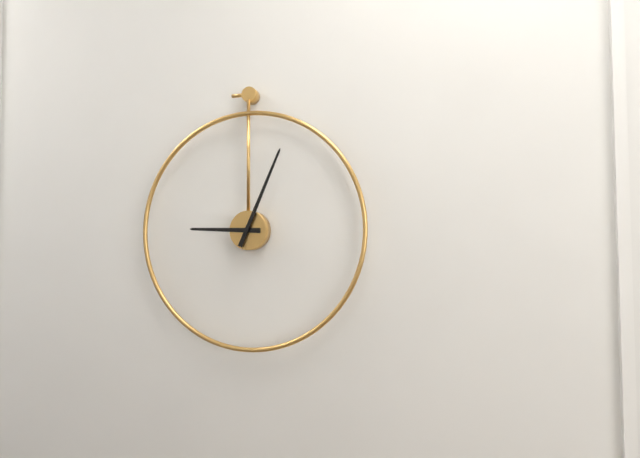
9:04
